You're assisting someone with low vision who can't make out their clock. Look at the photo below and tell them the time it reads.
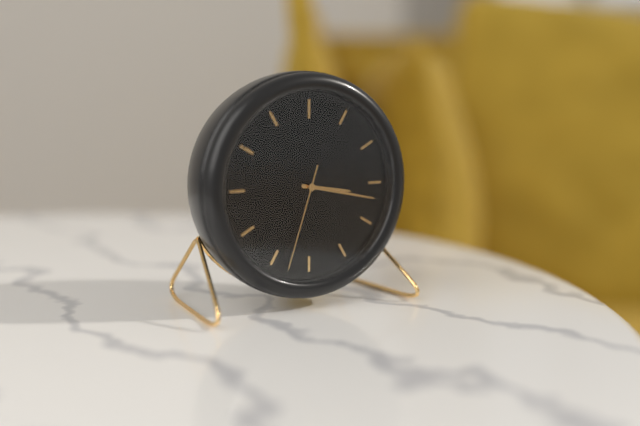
3:17:33
